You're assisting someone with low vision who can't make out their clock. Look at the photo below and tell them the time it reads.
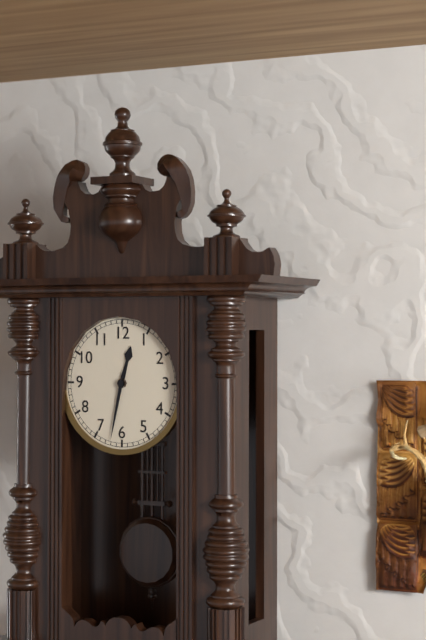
12:32
